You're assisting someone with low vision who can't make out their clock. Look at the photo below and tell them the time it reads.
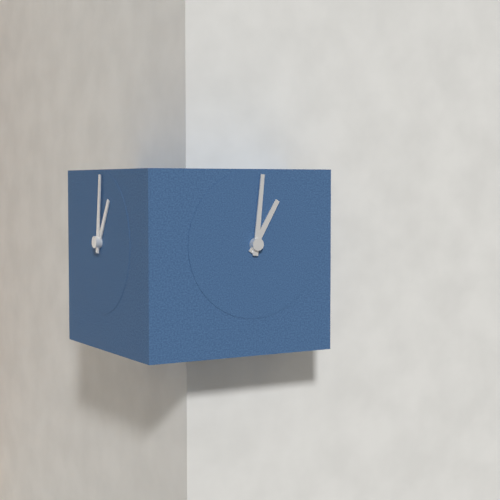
1:01
